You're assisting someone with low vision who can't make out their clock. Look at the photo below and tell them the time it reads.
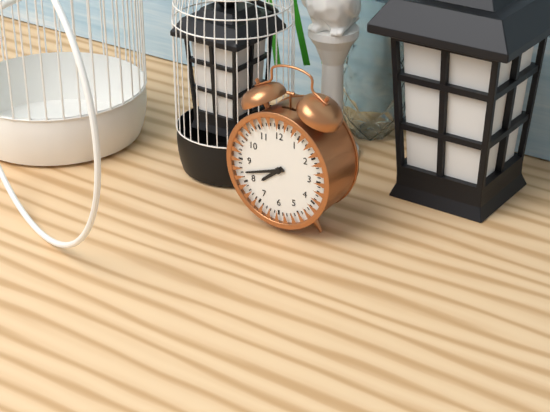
7:42
